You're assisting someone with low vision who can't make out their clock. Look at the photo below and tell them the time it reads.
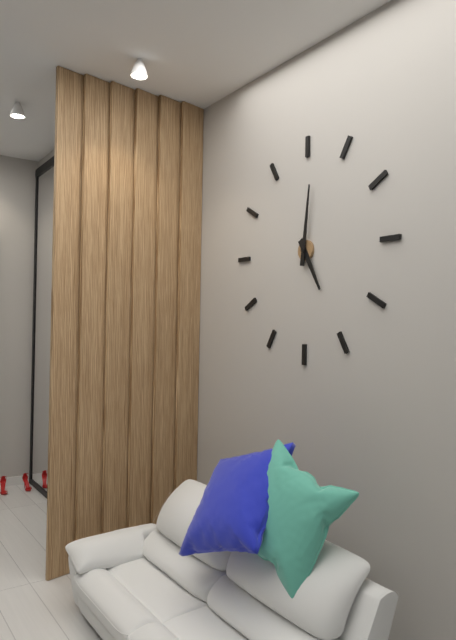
5:01
